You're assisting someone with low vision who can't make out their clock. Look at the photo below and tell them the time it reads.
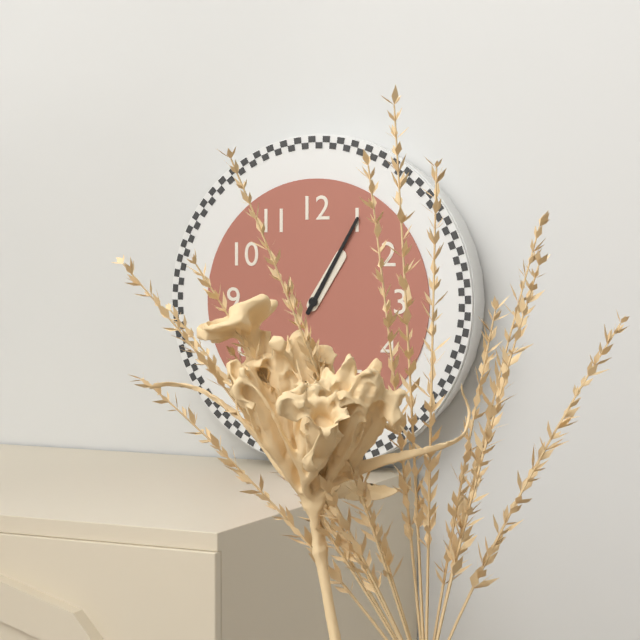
1:05
